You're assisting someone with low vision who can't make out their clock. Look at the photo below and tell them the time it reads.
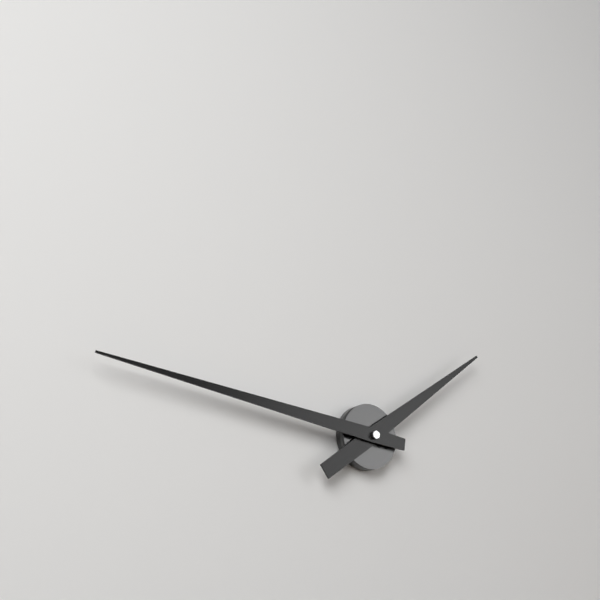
1:46
